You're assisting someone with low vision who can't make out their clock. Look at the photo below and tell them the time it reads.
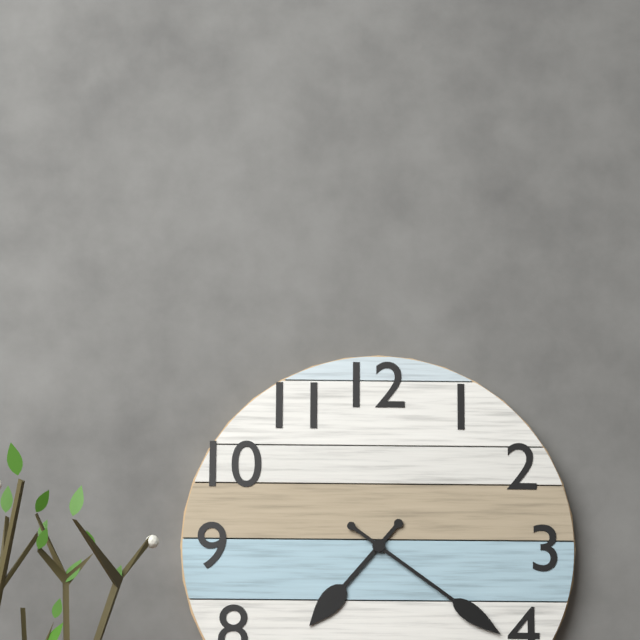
7:21
